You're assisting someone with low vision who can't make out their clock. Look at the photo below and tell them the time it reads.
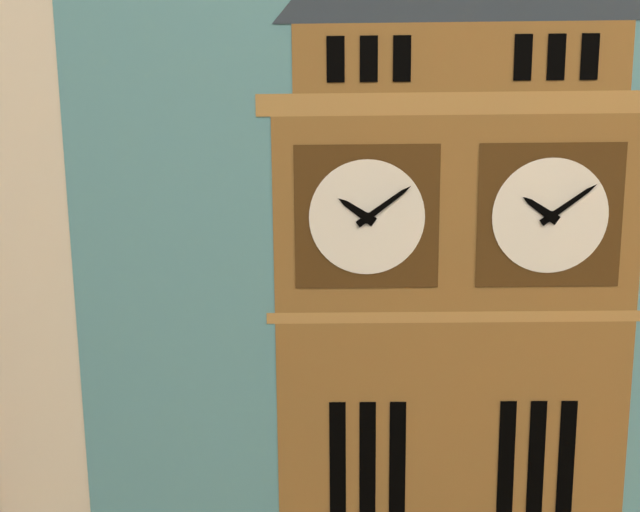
10:09
